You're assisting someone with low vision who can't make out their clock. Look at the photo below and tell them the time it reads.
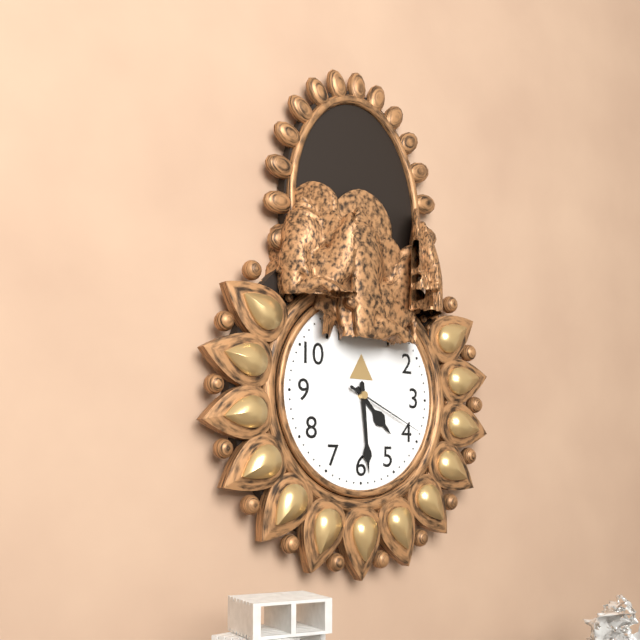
4:29:19
